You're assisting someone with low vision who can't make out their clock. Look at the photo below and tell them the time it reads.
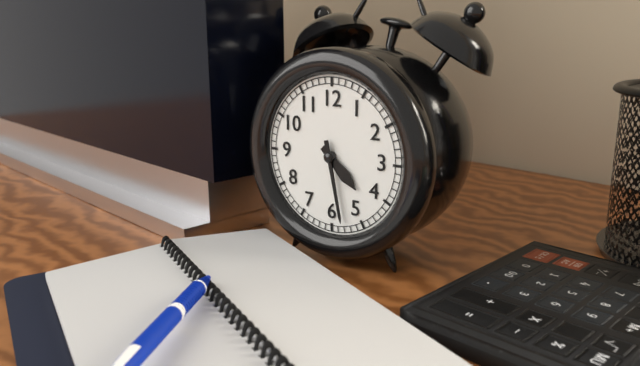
4:28
